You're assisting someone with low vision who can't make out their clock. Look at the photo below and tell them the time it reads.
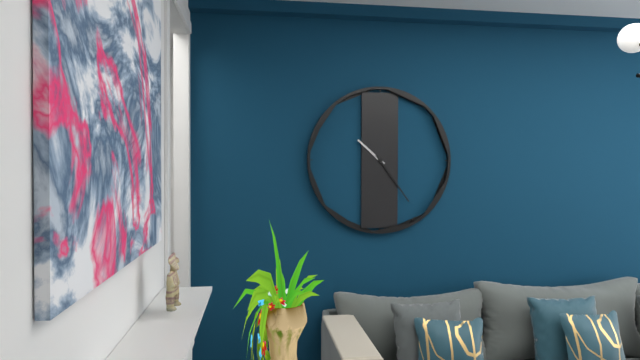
10:24
